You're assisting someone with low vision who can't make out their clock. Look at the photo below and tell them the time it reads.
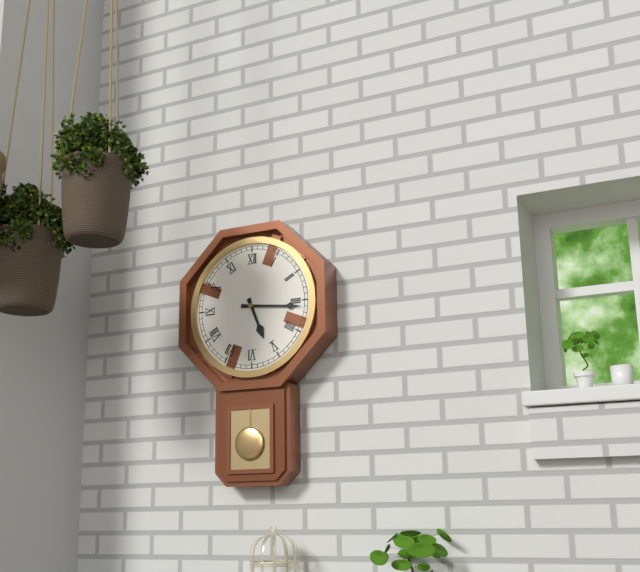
5:16
